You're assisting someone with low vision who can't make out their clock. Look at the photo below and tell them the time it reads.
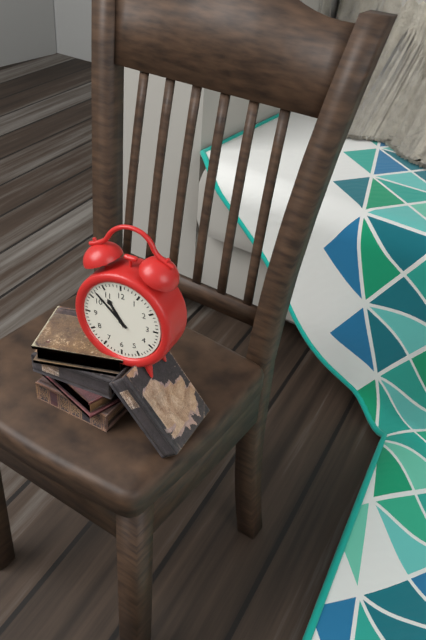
10:52
